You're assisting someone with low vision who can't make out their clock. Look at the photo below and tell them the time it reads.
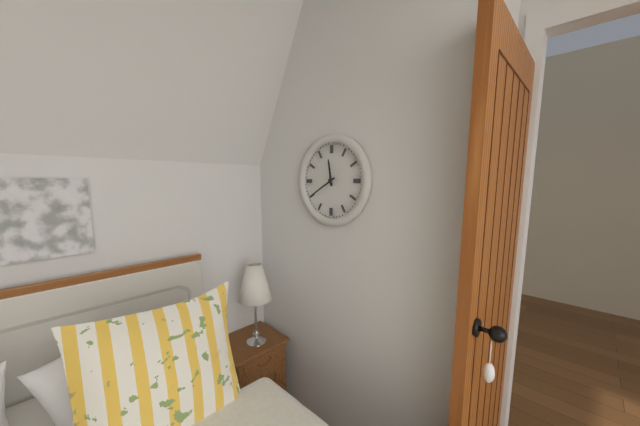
11:40
